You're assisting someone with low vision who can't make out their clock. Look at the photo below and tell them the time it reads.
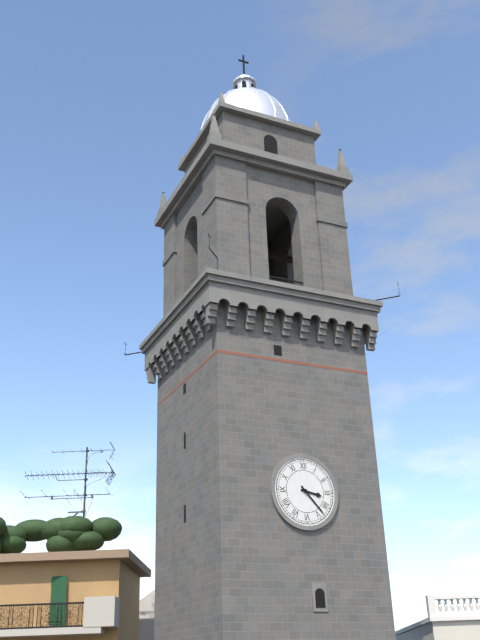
3:23
